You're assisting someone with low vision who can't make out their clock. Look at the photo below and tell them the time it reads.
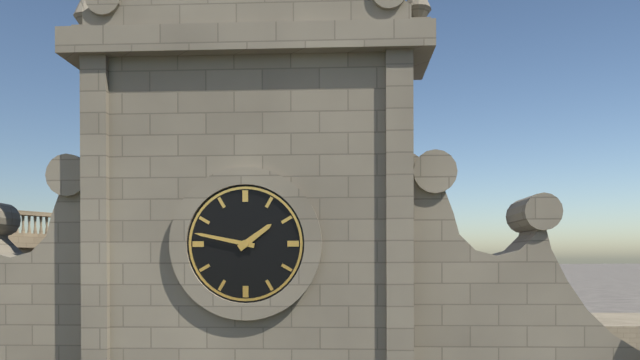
1:47
